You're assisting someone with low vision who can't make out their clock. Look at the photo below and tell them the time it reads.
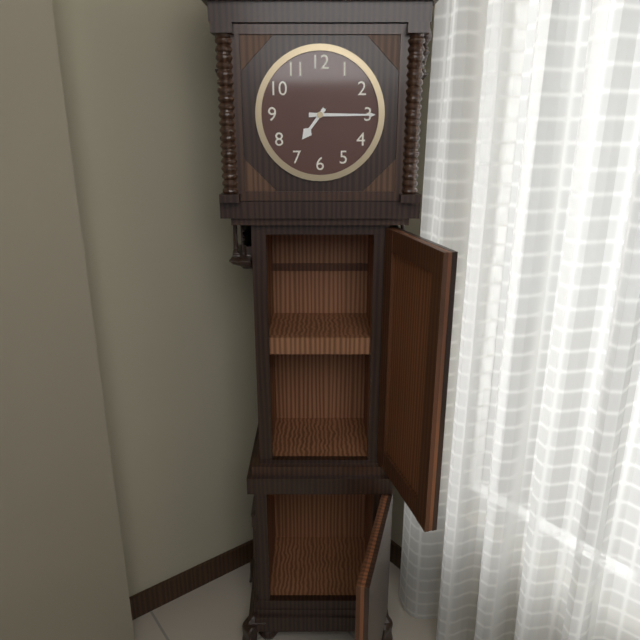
7:15
